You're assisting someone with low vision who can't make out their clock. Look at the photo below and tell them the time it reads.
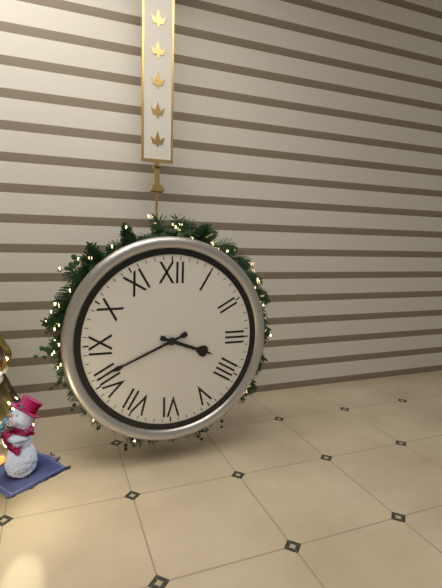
3:41
